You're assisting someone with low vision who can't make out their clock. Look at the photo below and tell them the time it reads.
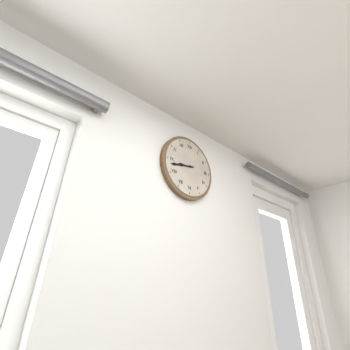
8:43
